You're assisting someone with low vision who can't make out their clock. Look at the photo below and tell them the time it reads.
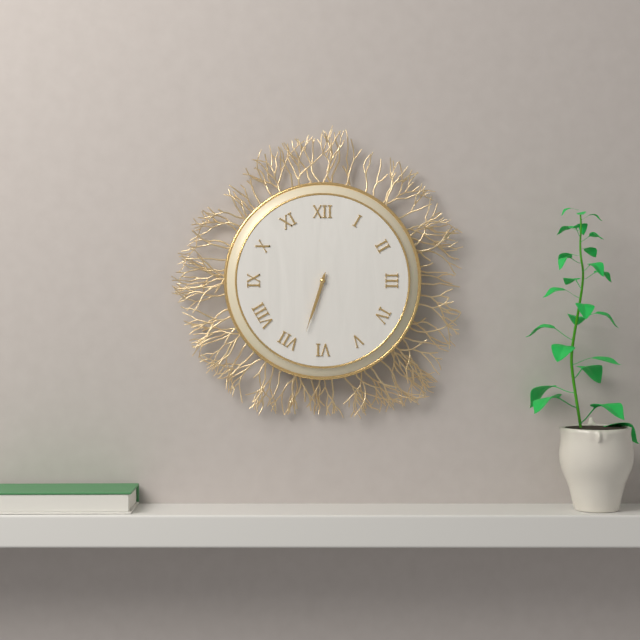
6:33
